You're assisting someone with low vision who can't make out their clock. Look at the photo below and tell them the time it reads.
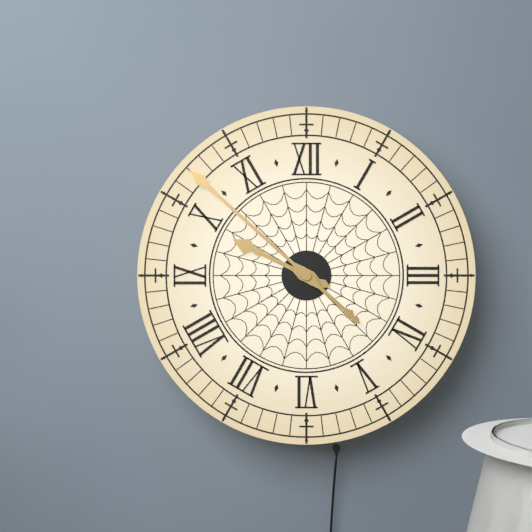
9:52
